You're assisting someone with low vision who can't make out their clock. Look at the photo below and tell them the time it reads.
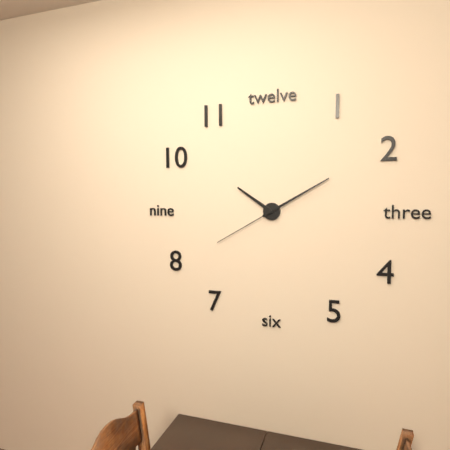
10:10:40
